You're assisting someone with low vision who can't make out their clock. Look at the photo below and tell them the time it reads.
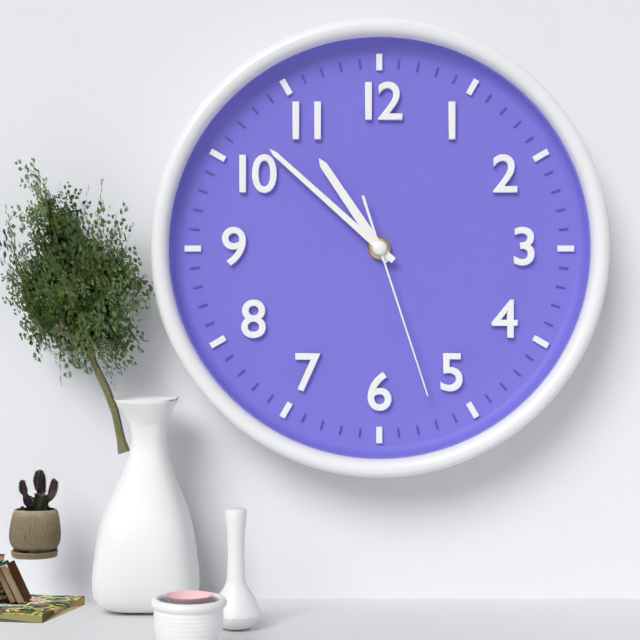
10:52:27
